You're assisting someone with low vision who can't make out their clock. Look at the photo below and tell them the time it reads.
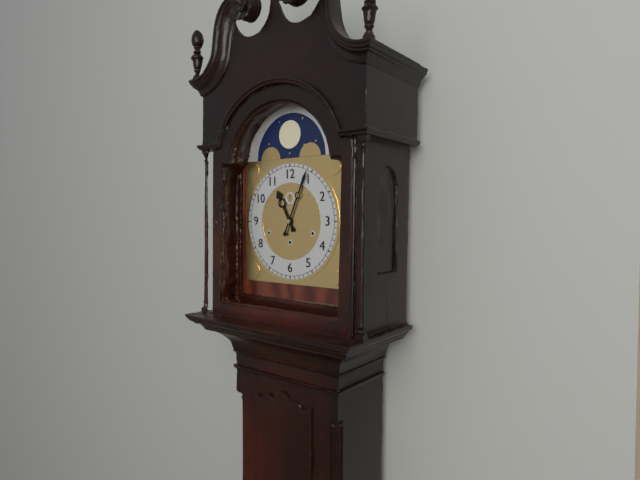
11:04
